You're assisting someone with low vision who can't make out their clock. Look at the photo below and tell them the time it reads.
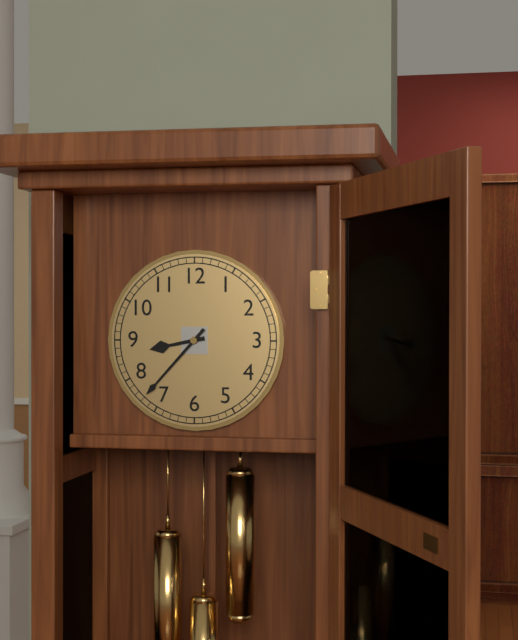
8:37
